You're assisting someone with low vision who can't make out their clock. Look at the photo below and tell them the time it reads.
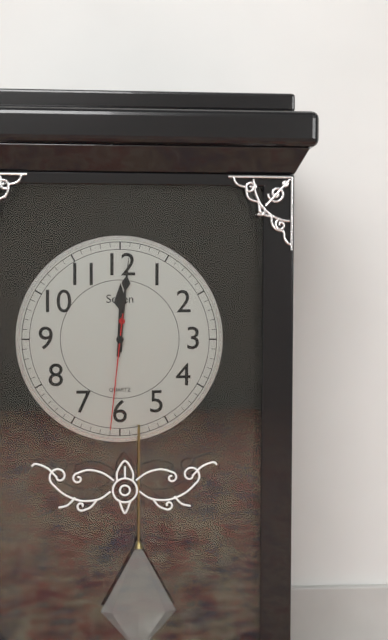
12:01:31
